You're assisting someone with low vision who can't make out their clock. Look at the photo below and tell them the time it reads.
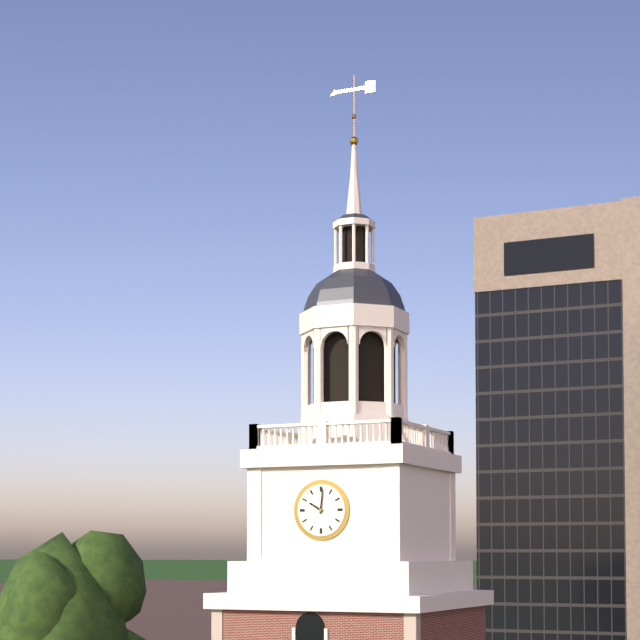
10:01
